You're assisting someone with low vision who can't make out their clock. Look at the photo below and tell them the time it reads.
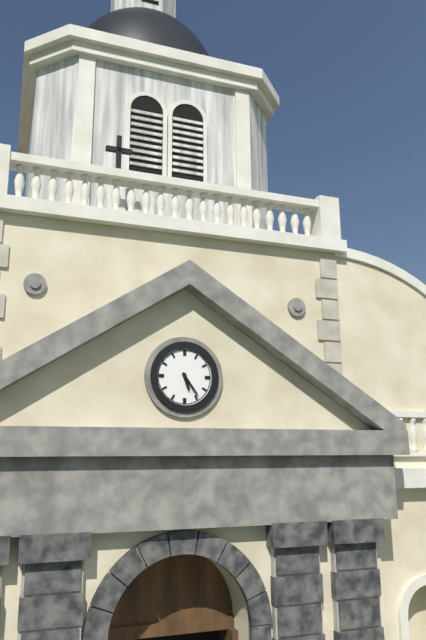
5:24
